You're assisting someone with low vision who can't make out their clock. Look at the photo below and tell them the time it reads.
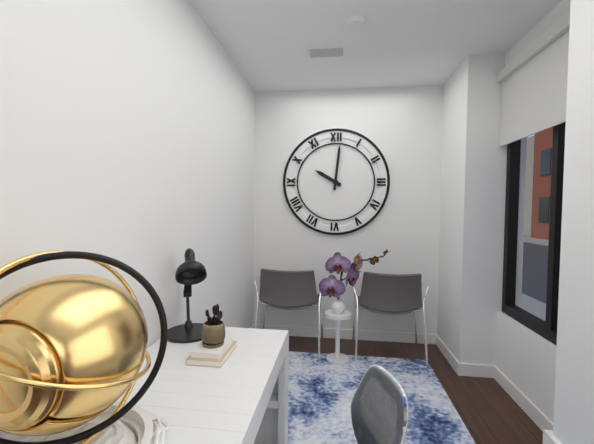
10:01
